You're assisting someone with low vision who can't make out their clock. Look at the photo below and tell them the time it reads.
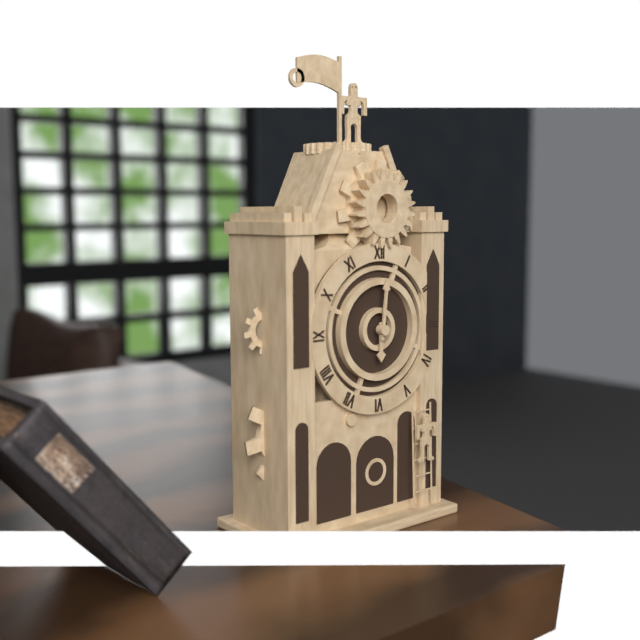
6:01
